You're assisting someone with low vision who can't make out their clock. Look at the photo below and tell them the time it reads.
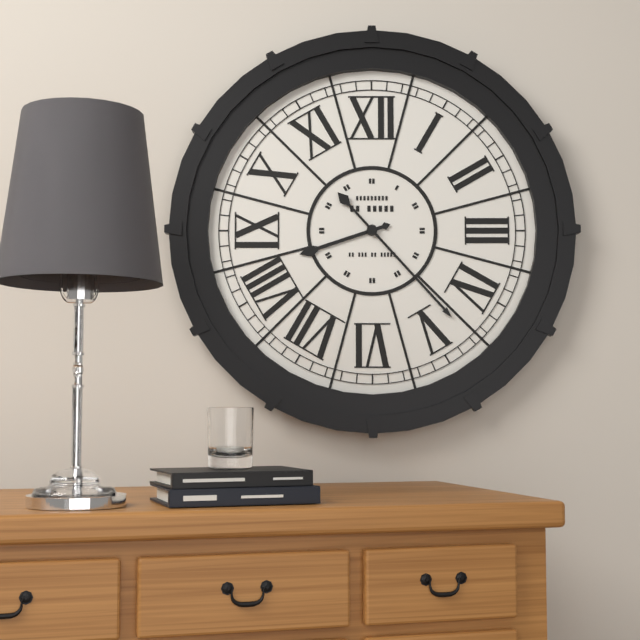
8:23
